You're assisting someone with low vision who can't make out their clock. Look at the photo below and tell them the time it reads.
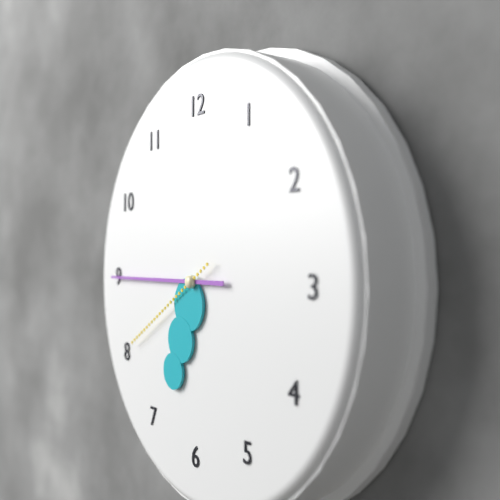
6:45:40
